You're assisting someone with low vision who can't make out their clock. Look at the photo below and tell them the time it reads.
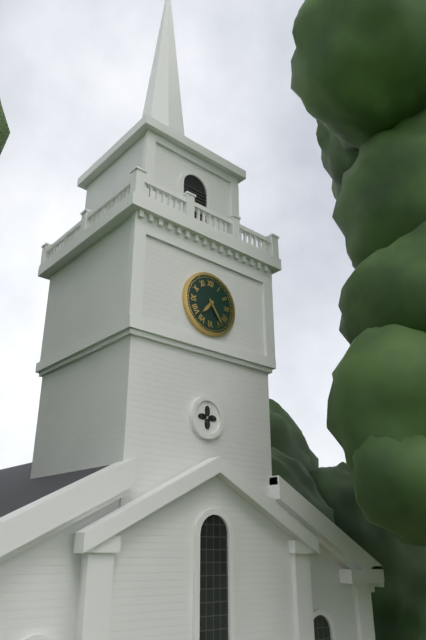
7:24
